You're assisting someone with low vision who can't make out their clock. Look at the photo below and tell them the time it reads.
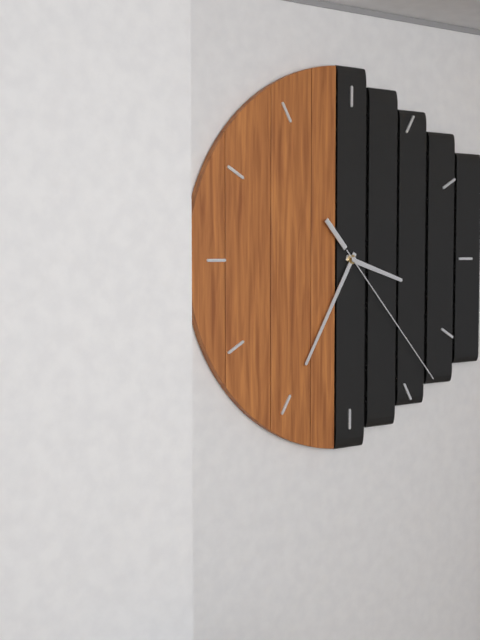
3:35:23
